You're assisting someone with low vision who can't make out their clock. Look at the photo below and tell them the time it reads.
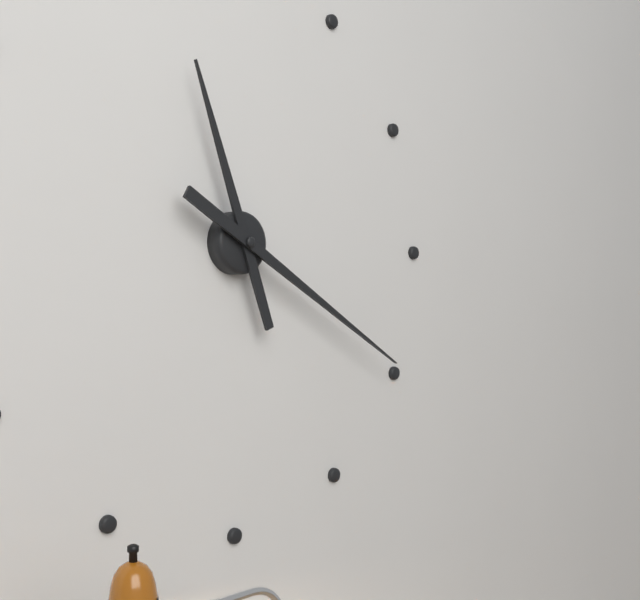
11:20
